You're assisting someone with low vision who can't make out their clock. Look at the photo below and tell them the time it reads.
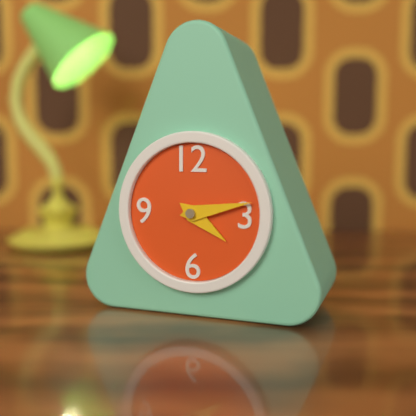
4:13
